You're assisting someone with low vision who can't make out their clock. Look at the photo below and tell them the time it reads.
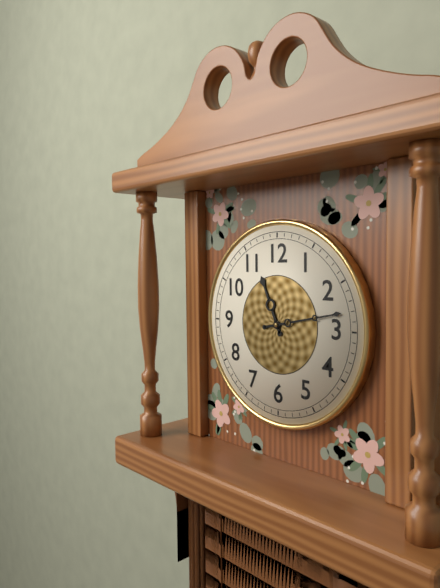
11:13
